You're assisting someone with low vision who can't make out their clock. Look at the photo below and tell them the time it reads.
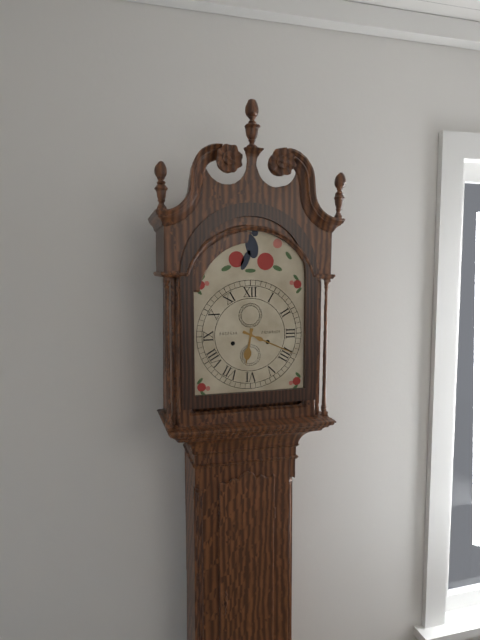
6:19
